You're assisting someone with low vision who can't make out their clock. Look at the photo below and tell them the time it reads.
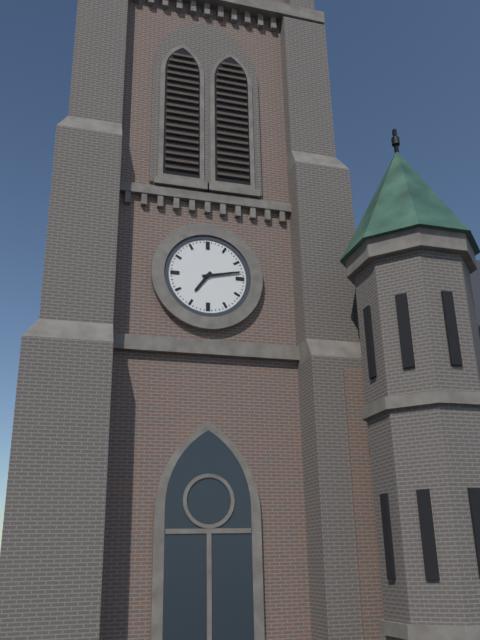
7:13
